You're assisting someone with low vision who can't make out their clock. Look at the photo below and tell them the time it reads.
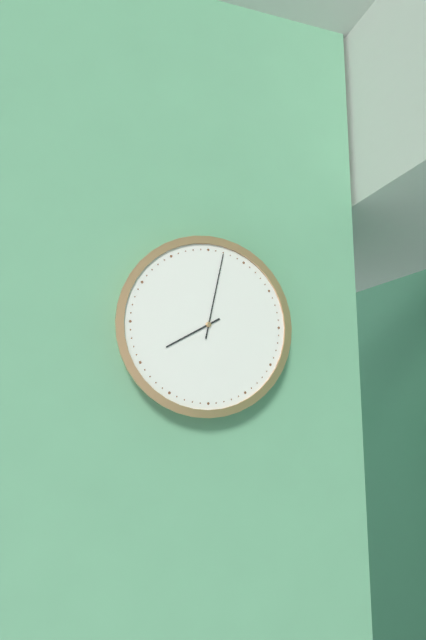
8:02
